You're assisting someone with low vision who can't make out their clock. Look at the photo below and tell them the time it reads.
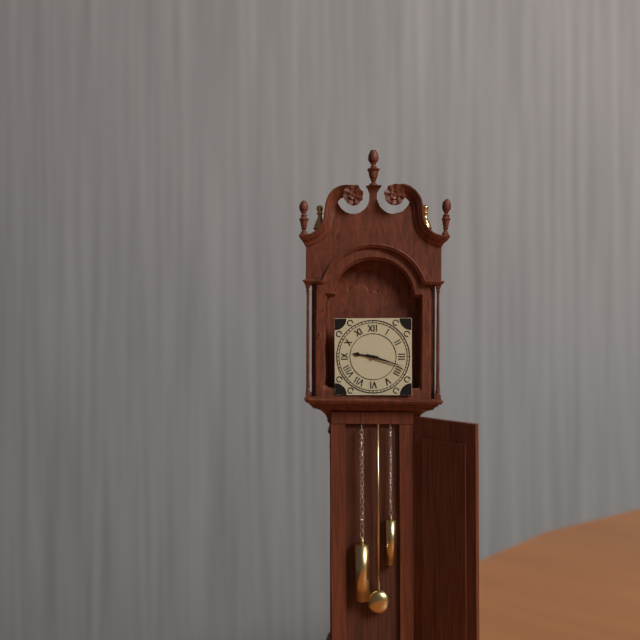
9:18
